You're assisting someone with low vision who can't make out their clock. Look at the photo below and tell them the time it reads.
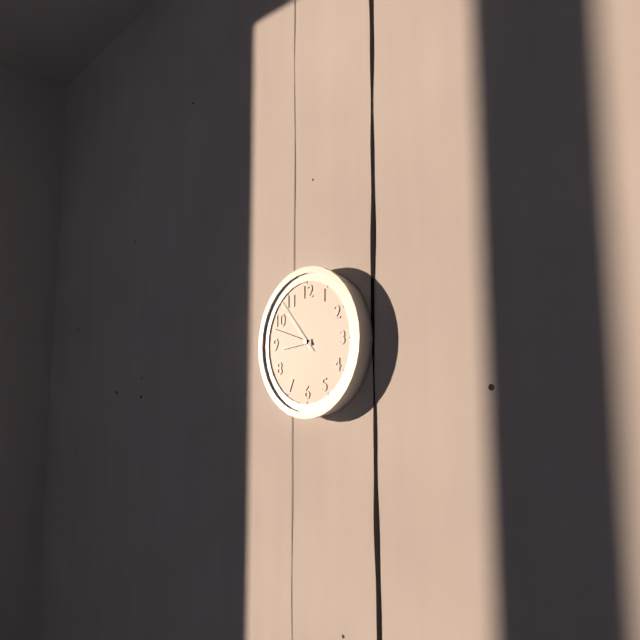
8:48:53
